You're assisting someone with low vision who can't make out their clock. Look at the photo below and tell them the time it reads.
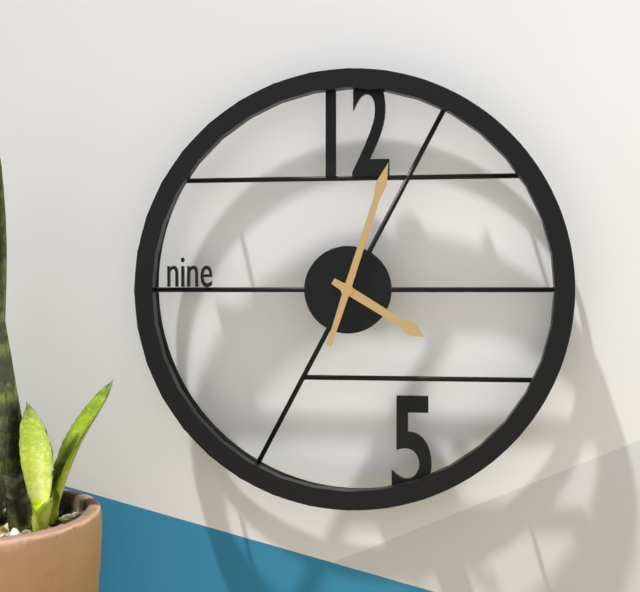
4:03
